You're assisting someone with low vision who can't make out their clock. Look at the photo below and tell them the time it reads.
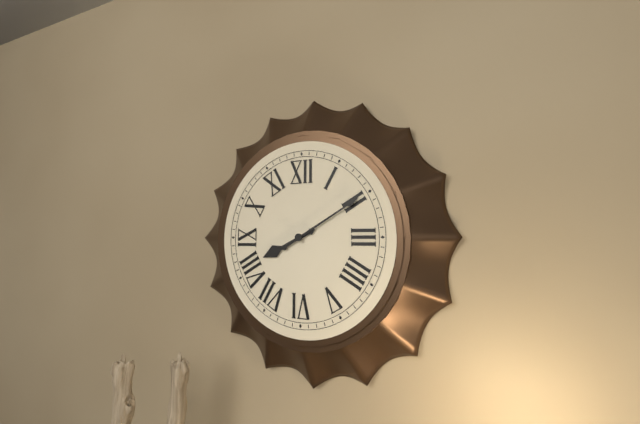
8:10
